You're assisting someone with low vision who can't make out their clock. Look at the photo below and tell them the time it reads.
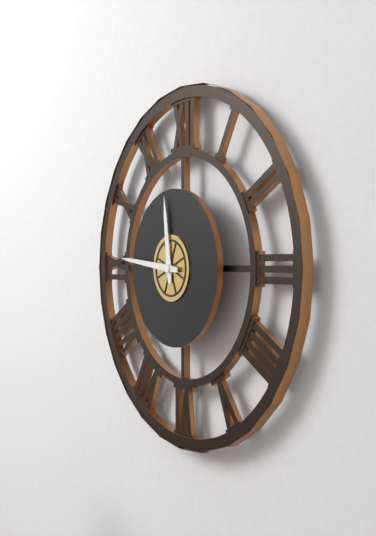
11:46
